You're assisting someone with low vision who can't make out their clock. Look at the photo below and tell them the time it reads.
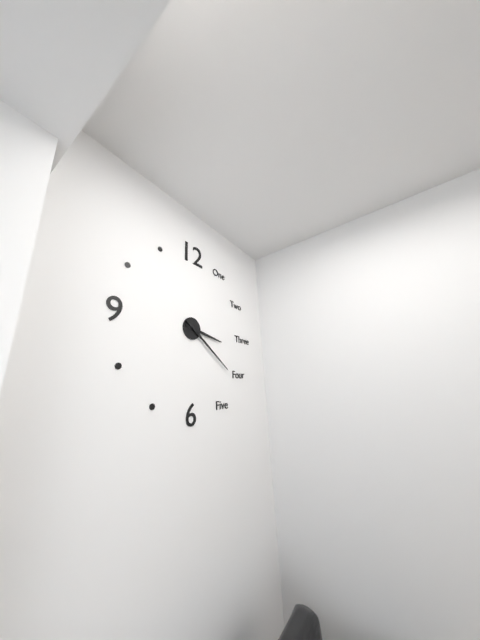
3:21
